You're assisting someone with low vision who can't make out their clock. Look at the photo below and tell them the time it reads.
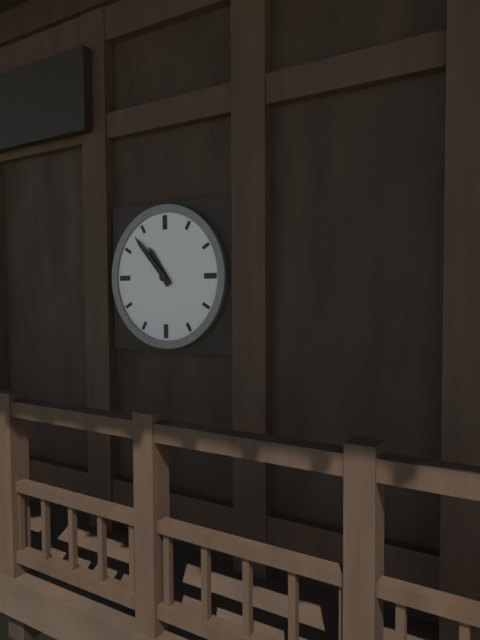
10:53
